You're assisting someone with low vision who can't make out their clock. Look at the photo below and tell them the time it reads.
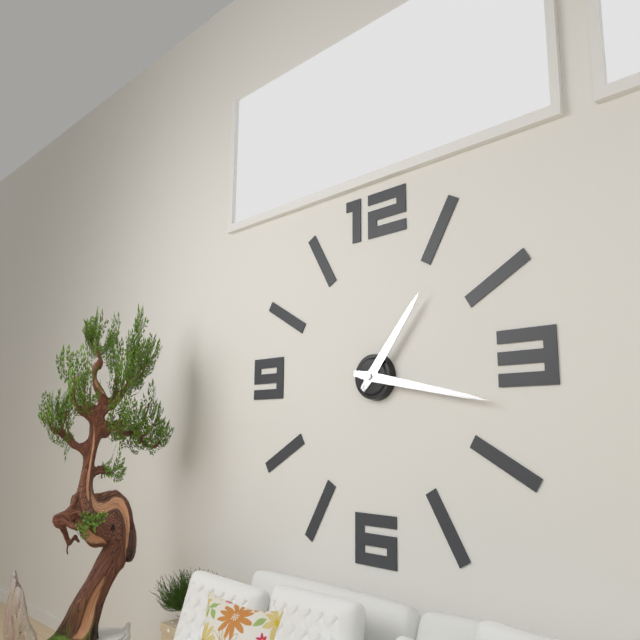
1:17
